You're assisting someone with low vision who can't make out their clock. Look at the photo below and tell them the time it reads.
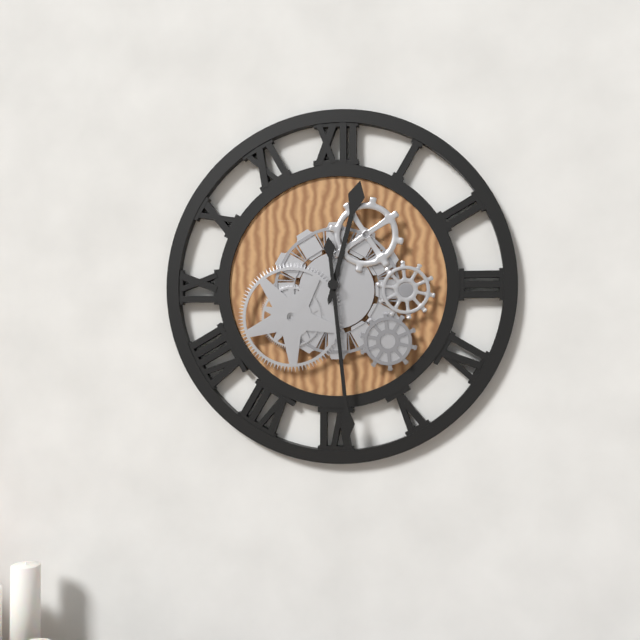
12:29
